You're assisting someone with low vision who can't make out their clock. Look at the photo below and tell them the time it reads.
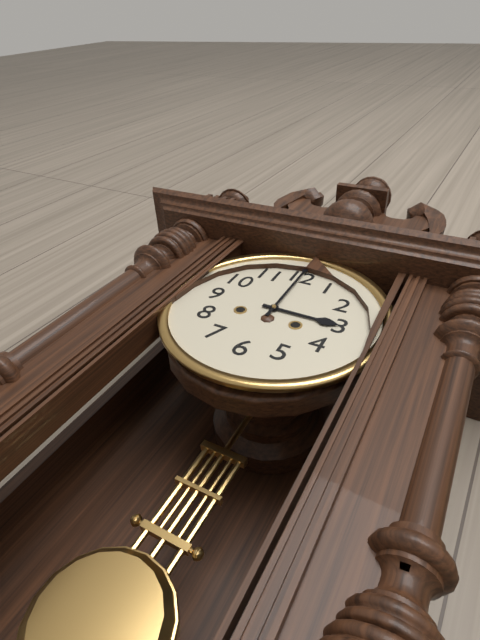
3:00
